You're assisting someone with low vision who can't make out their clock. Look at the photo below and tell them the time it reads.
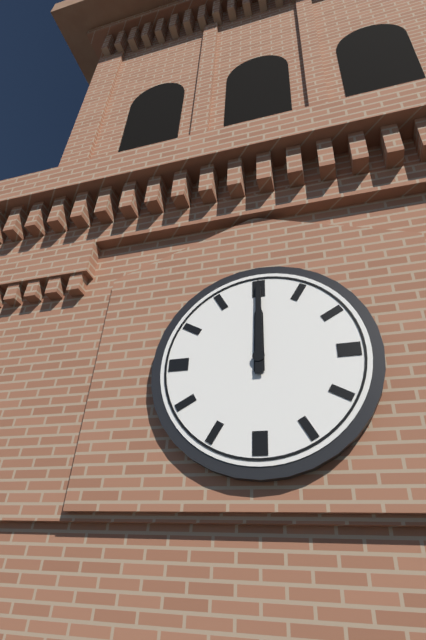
12:00
